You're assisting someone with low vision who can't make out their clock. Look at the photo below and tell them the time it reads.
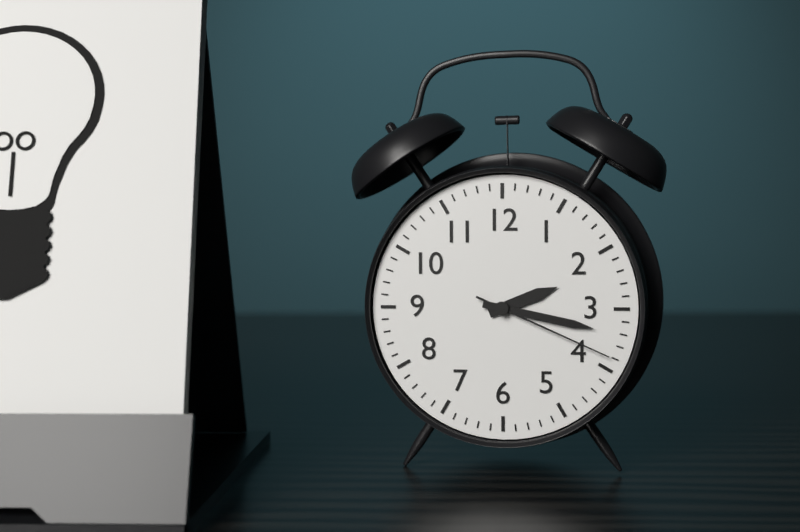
2:17:19
